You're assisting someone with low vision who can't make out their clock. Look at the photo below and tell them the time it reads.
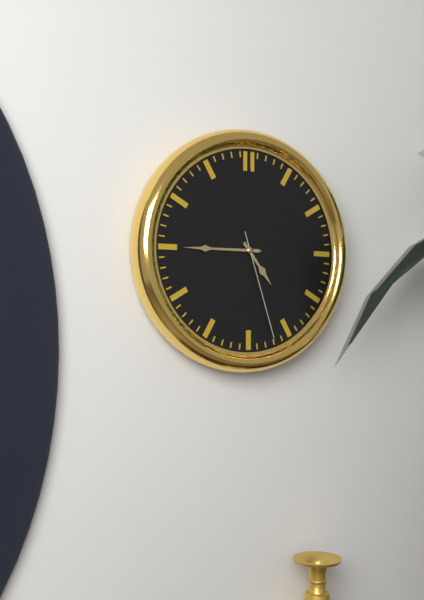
4:45:27
